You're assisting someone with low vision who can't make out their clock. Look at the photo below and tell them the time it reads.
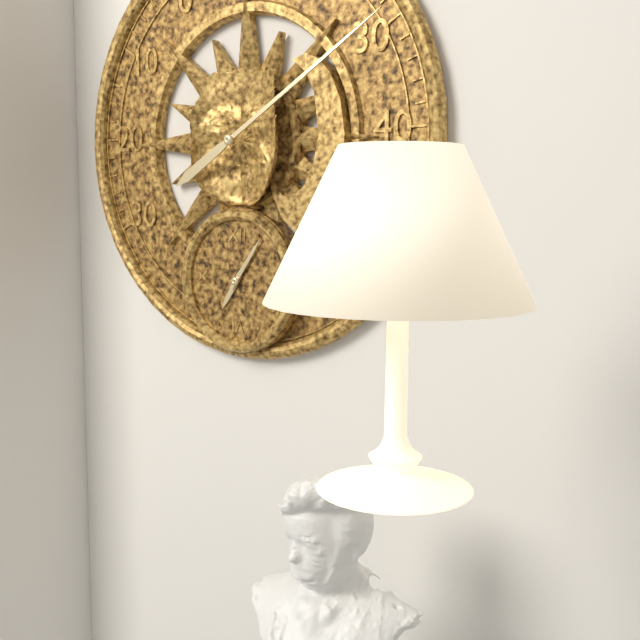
7:06
